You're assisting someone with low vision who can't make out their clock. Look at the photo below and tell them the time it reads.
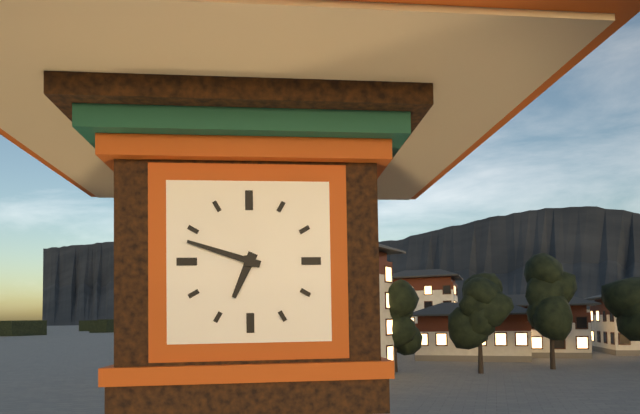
6:48
